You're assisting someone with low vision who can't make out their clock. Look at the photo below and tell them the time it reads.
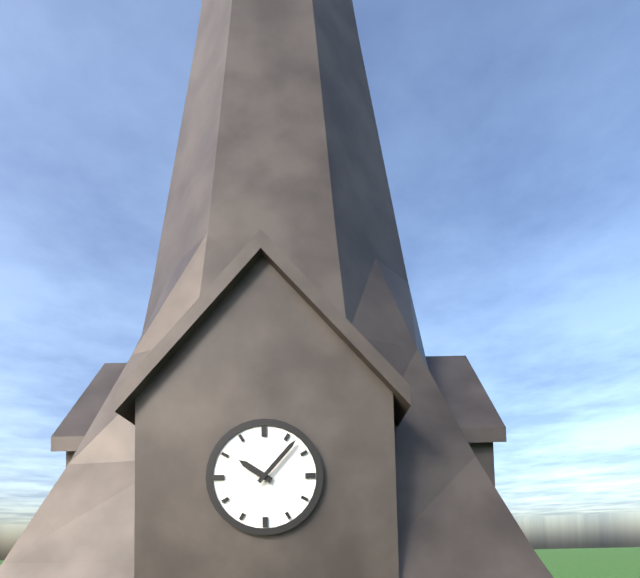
10:07
